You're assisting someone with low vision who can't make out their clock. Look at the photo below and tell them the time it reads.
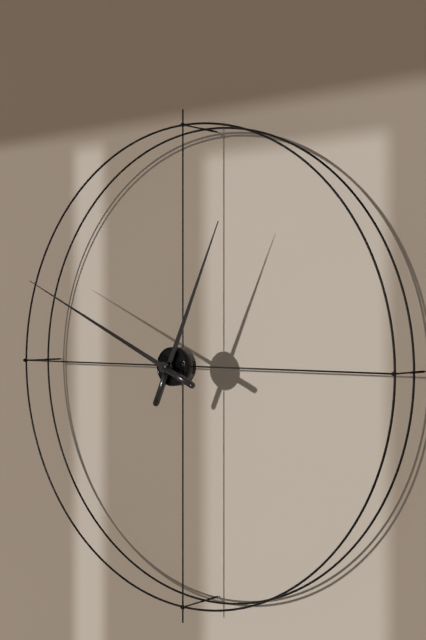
12:49
